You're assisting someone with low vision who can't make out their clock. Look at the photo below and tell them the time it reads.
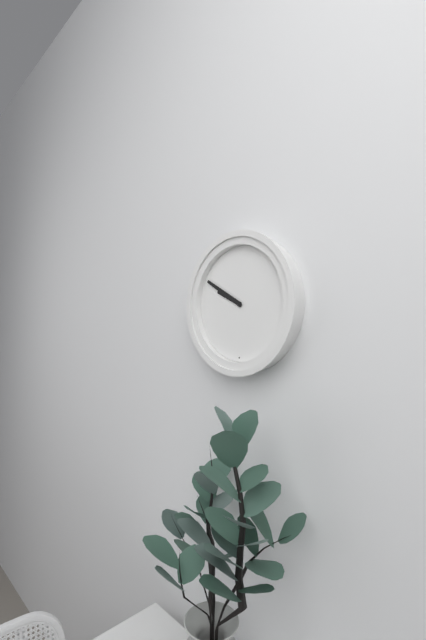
9:50
